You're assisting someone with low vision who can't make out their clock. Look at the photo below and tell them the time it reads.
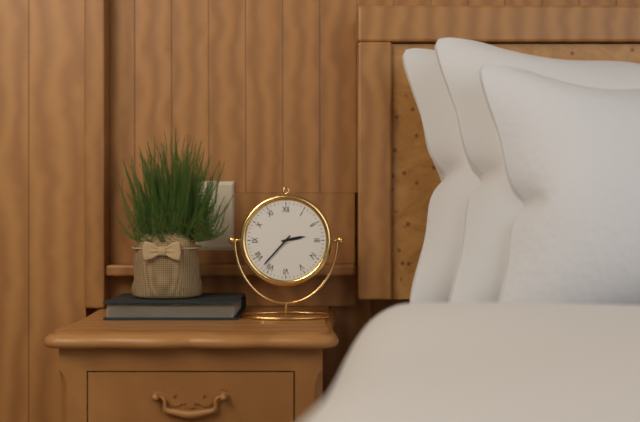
2:37
